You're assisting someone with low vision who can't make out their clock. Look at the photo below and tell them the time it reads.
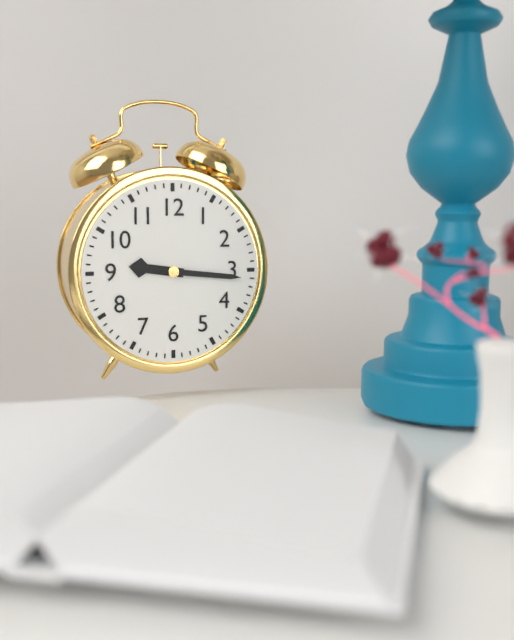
9:16
